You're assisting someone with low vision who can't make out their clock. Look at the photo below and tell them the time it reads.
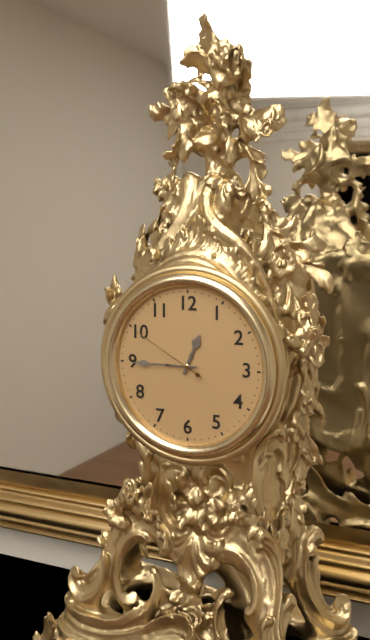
12:45:50
